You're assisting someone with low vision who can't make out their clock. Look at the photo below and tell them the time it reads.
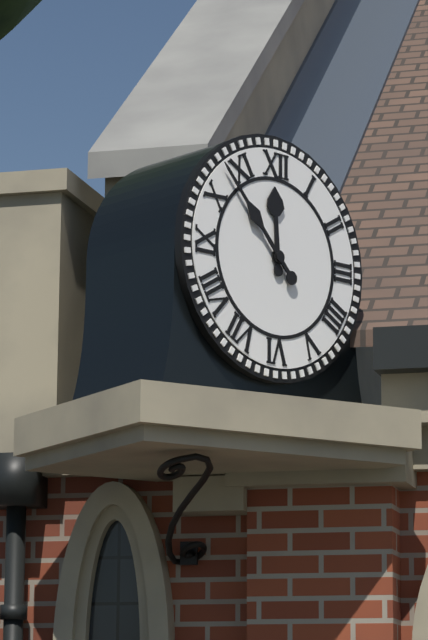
11:53
